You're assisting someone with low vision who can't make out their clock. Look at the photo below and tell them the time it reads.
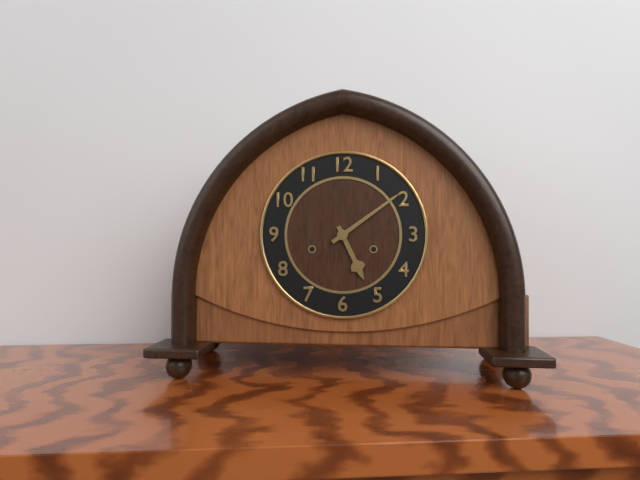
5:09
